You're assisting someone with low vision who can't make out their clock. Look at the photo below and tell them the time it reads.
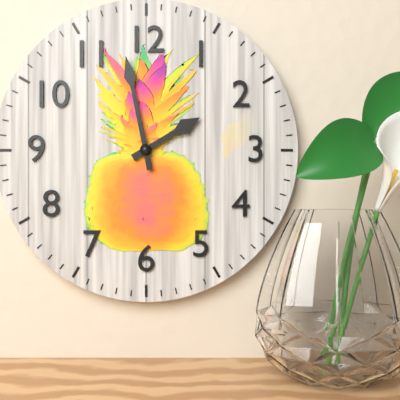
1:58
